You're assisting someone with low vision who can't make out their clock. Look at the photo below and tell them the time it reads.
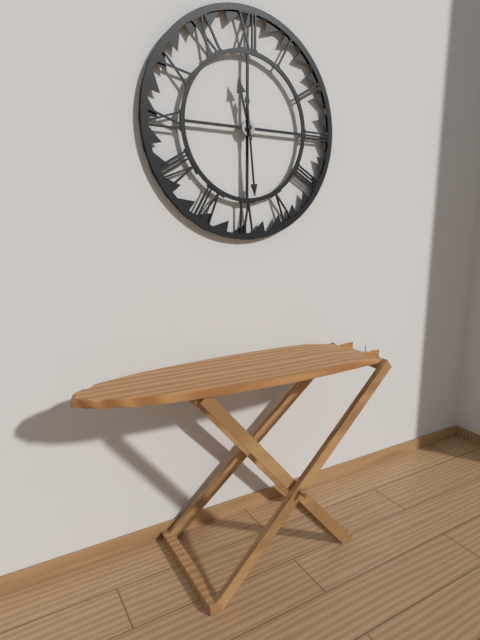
11:29
